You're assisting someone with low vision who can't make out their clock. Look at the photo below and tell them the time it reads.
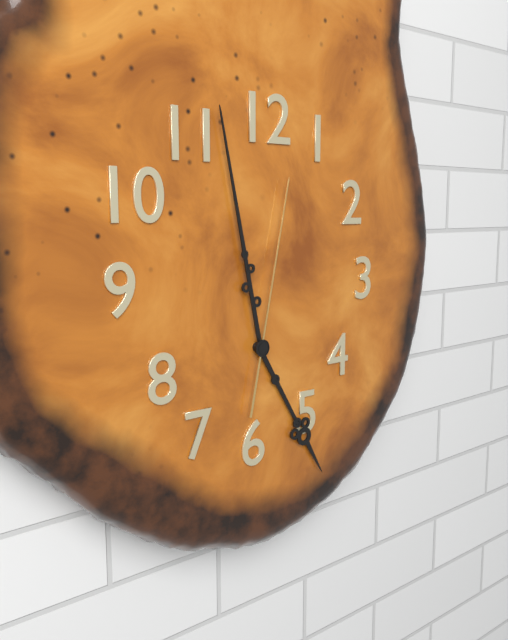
4:58:02
